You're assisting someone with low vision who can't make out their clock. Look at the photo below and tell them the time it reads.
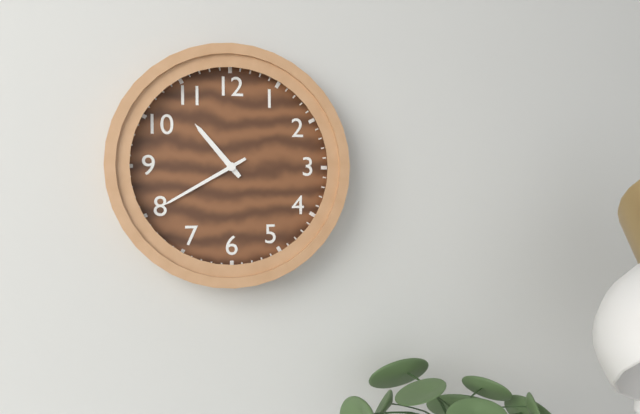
10:40
